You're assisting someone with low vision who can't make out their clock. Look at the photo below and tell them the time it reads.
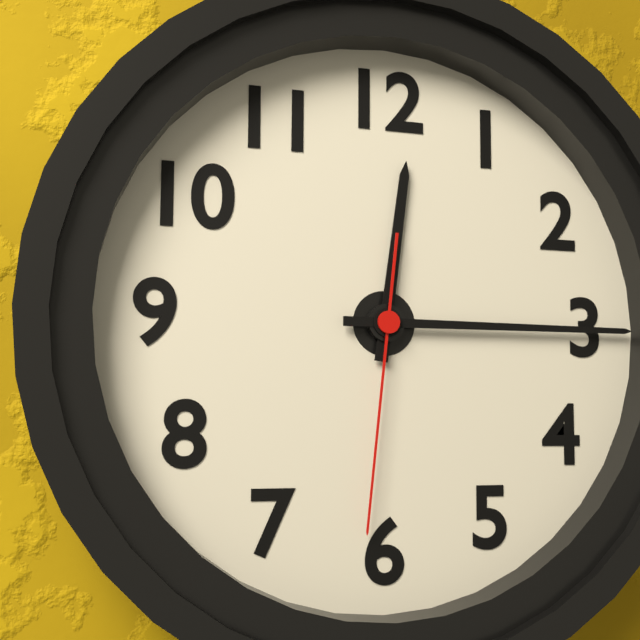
12:15:31
